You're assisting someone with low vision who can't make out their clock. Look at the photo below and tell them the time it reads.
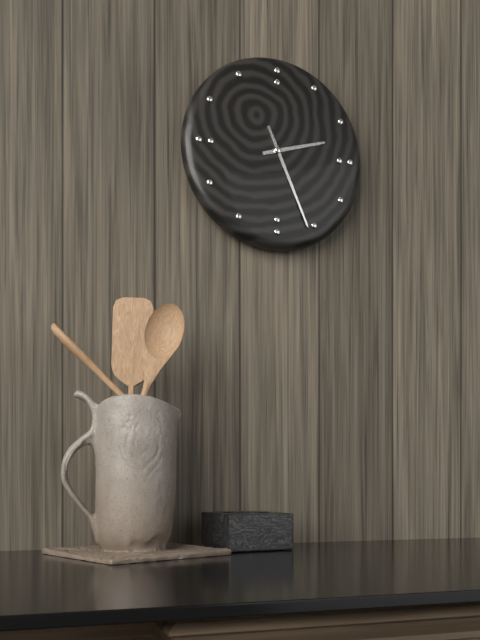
2:26
